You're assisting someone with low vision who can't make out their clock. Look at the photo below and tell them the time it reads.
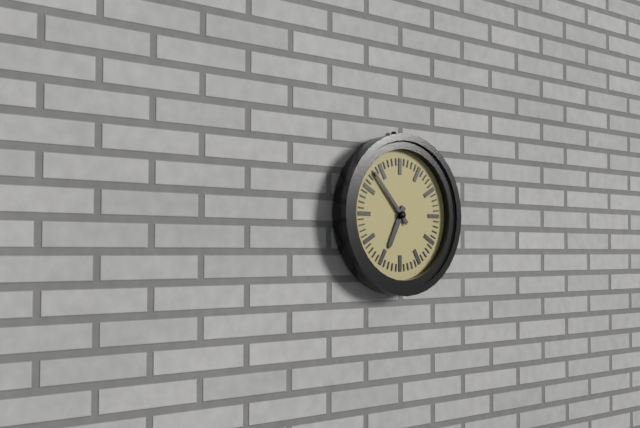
6:53
